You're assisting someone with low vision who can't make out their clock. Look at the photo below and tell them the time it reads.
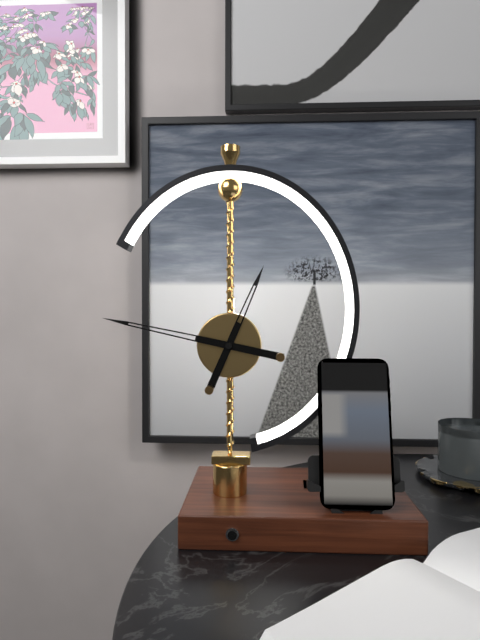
12:47
